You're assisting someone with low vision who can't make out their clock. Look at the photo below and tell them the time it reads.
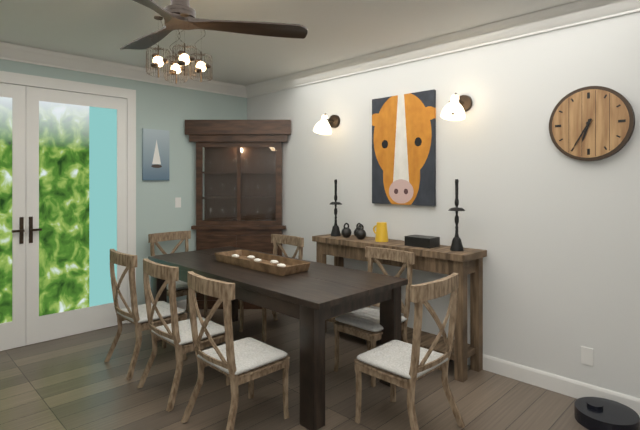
6:35
